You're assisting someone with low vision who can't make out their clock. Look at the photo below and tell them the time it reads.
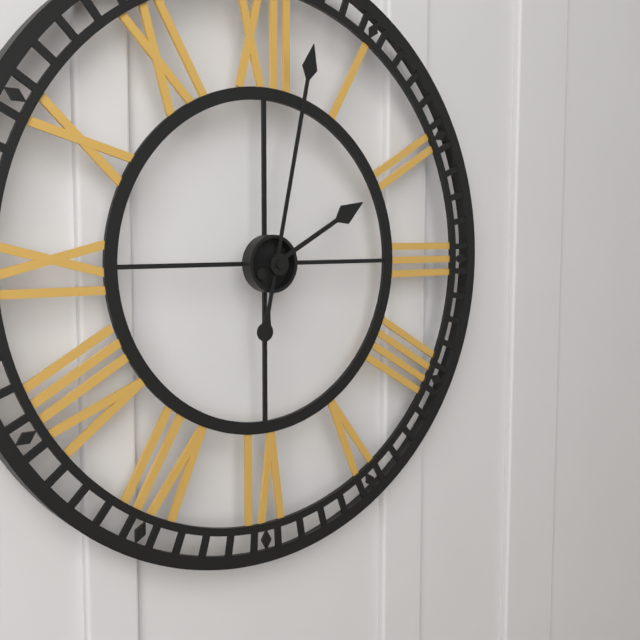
2:02
